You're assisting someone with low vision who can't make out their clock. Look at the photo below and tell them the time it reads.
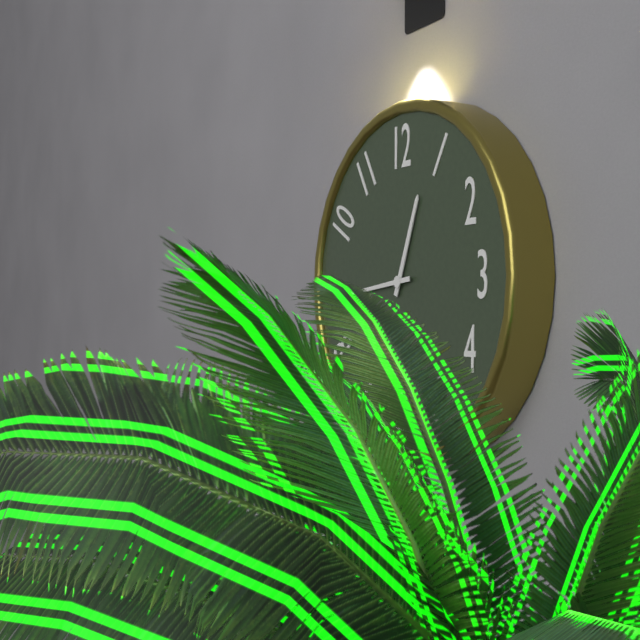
12:44
